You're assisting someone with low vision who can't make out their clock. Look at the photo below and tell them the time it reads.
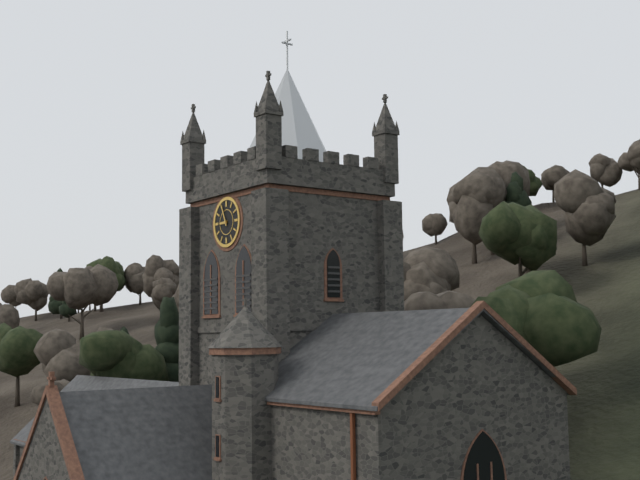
8:56
